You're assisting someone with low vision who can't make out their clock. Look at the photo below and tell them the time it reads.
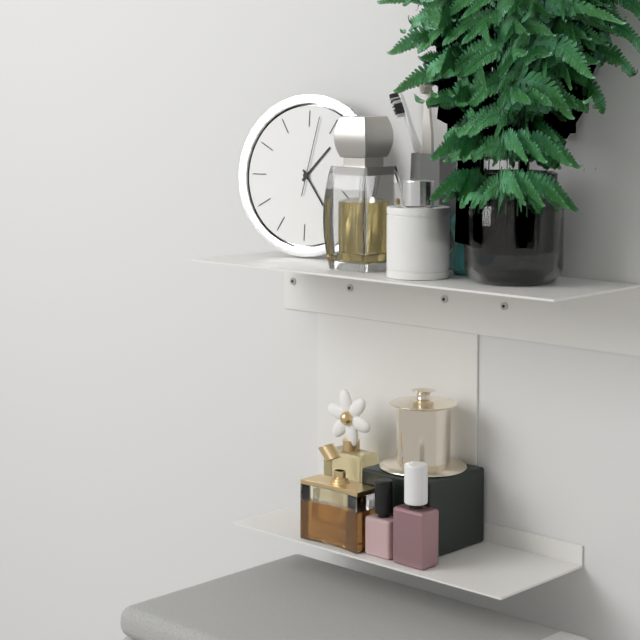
1:24:02
